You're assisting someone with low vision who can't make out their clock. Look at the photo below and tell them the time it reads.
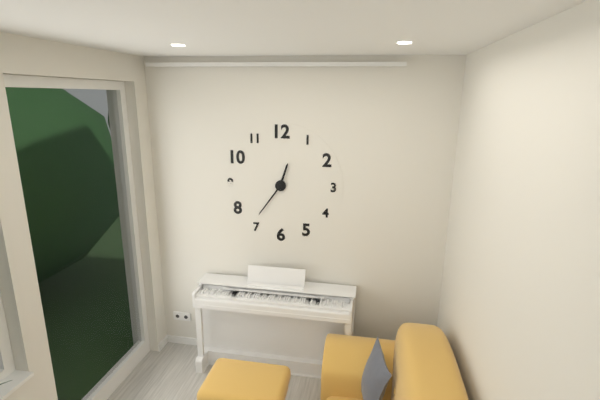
12:36
